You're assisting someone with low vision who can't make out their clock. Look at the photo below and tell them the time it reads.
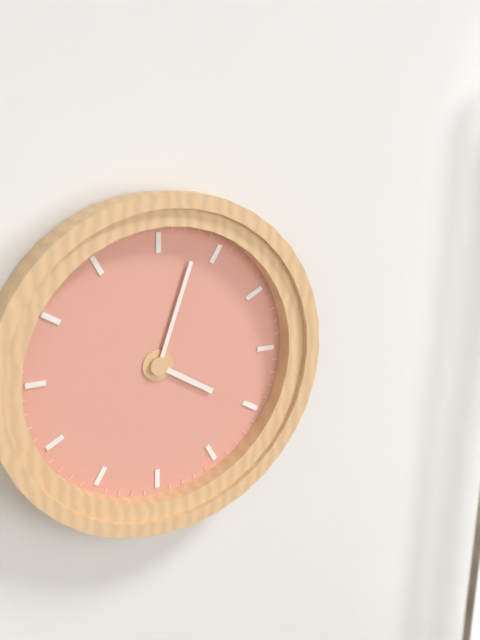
4:03
